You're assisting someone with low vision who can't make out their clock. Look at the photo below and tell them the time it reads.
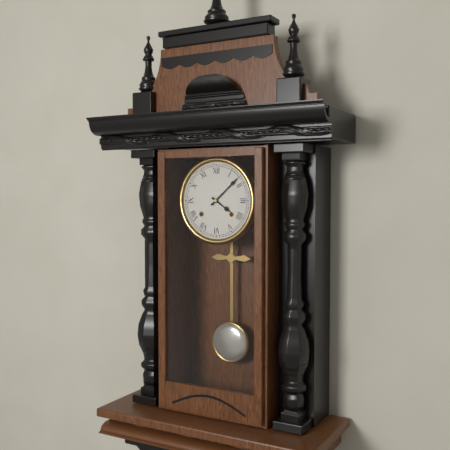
4:08
